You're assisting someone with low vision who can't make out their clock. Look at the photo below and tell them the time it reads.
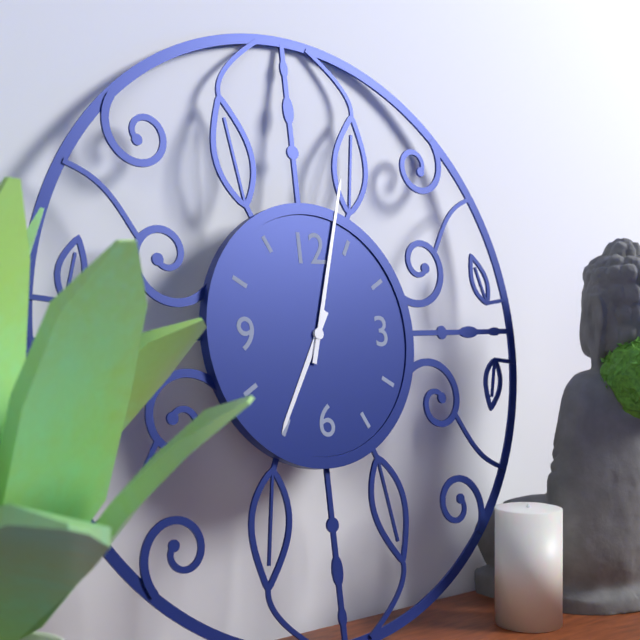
7:03
